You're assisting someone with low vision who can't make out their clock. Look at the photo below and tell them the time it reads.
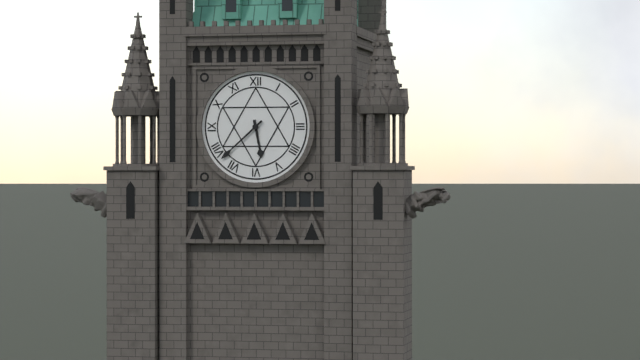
5:38
